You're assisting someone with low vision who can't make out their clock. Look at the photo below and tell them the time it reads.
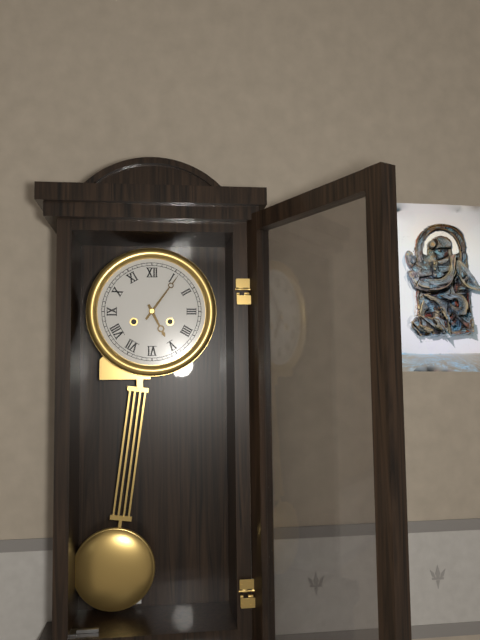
5:06
